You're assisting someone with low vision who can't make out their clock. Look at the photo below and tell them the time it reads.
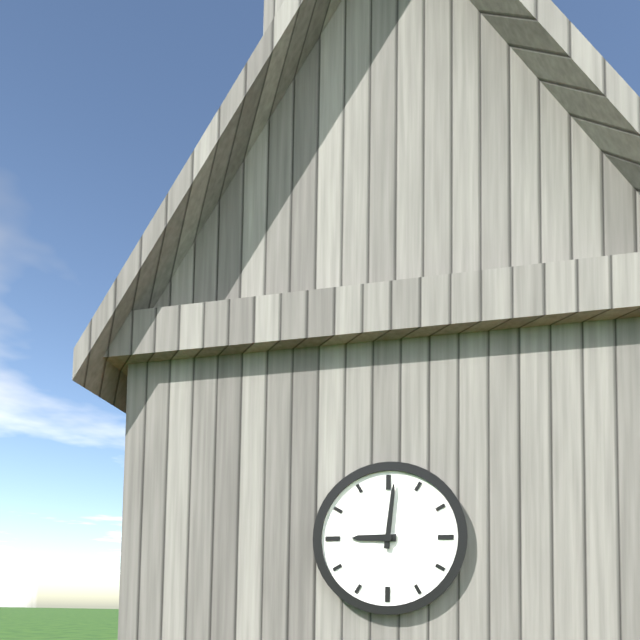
9:01
